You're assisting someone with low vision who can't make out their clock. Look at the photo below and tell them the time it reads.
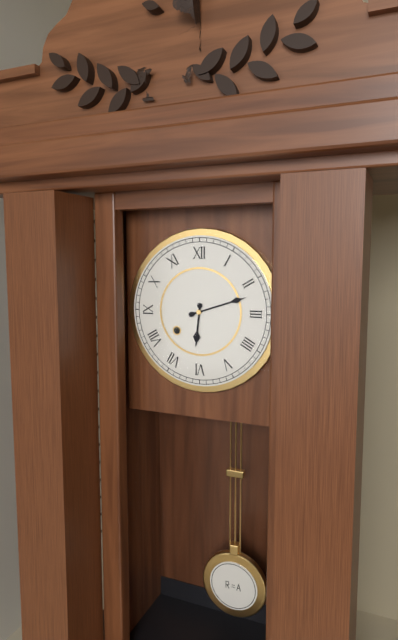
6:12
